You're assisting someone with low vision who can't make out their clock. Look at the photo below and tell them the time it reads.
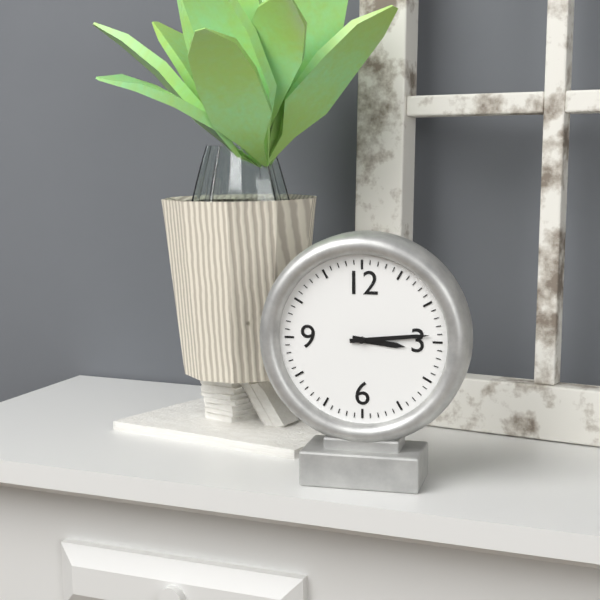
3:14
